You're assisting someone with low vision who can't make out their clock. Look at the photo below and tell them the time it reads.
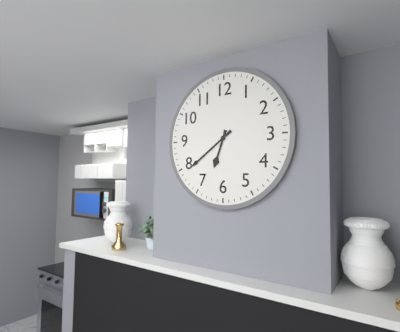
6:39
